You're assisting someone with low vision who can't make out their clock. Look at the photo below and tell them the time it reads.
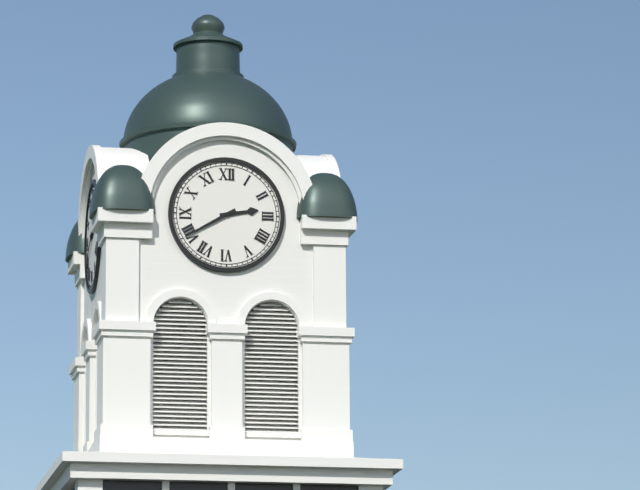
2:40
